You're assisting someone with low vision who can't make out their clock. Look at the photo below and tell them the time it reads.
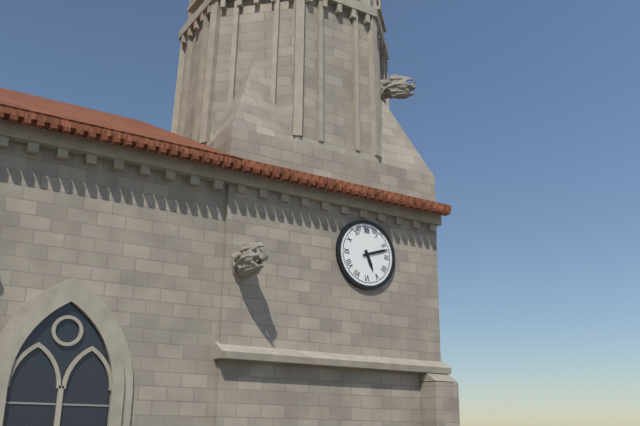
5:12
